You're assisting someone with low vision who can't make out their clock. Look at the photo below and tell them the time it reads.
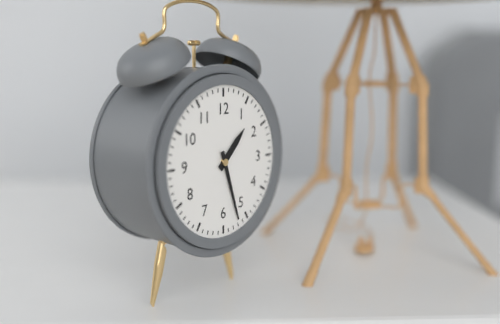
1:27
